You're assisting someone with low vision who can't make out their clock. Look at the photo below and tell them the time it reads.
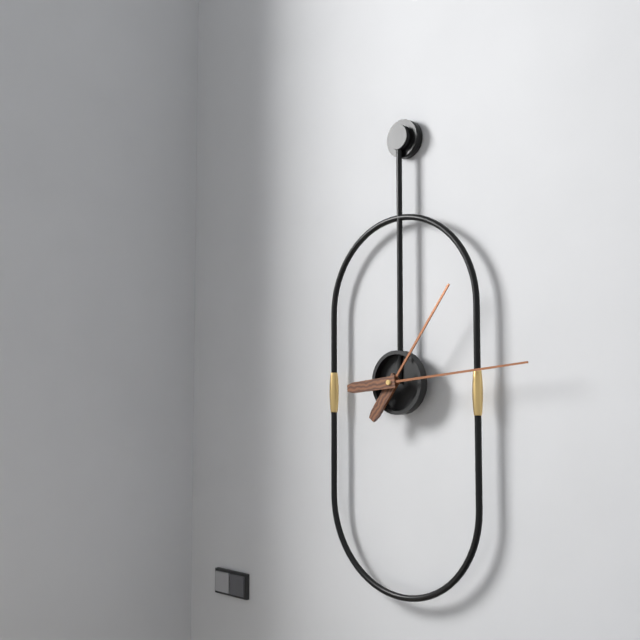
1:14
